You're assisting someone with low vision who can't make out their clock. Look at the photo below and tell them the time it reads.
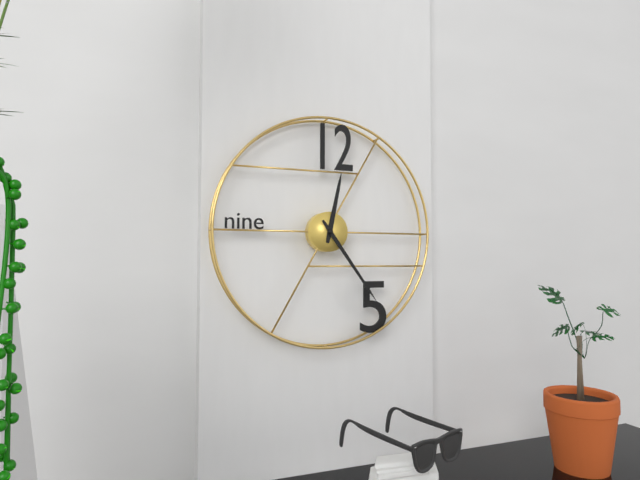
12:24
